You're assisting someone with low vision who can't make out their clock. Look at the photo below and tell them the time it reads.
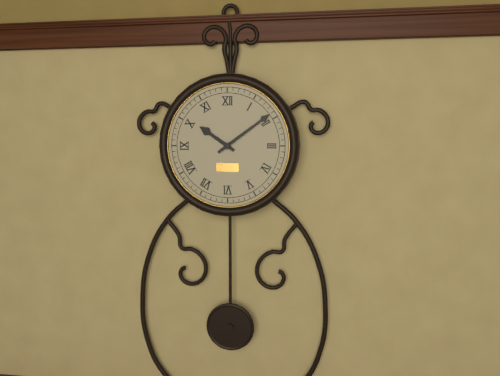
10:09
